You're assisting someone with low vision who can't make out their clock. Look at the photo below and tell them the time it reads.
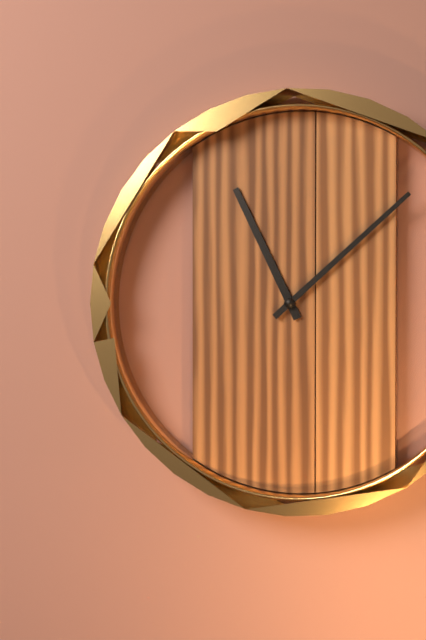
11:08
